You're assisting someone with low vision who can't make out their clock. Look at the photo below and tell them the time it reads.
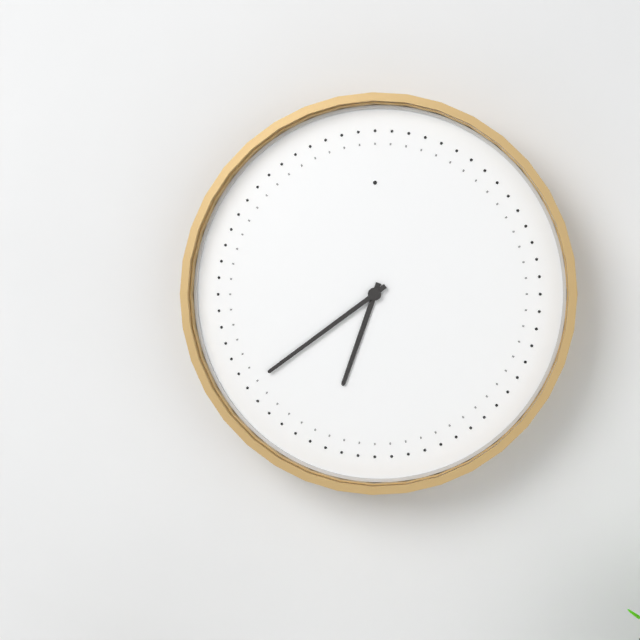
6:39
